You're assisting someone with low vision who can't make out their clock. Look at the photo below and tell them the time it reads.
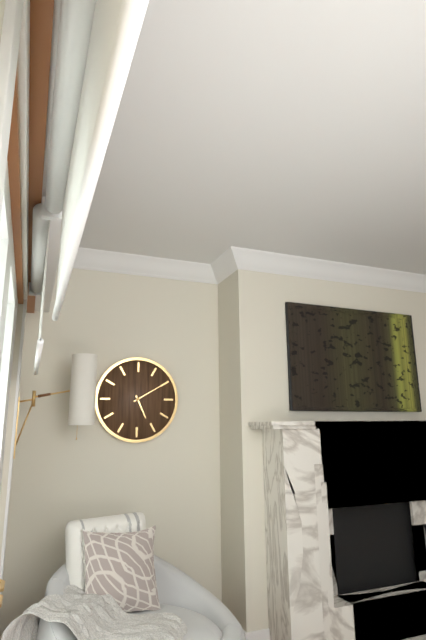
5:10
